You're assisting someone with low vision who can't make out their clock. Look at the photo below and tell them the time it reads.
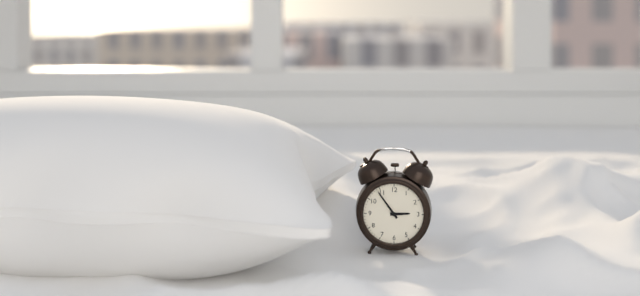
2:54
